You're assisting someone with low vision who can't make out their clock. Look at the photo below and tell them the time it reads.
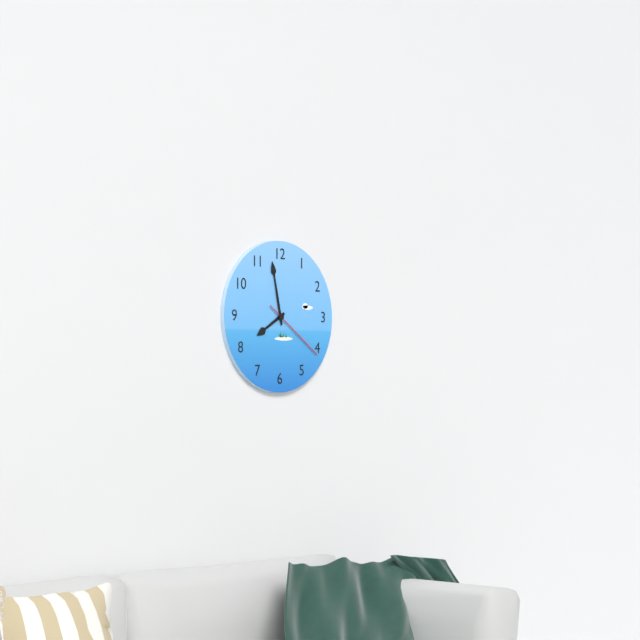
7:58:21
